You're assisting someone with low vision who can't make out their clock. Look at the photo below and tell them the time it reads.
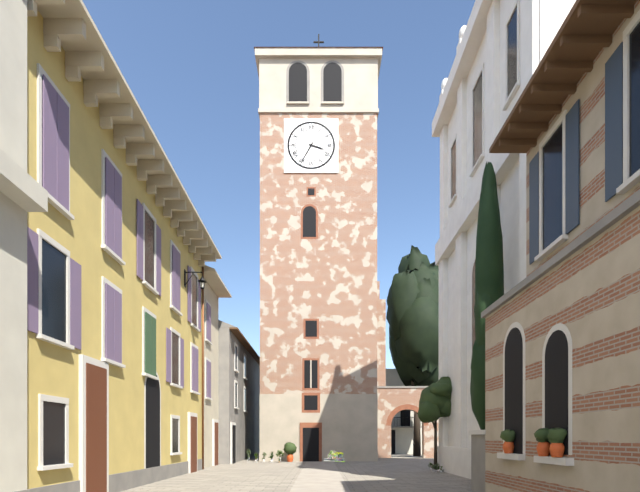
3:35
